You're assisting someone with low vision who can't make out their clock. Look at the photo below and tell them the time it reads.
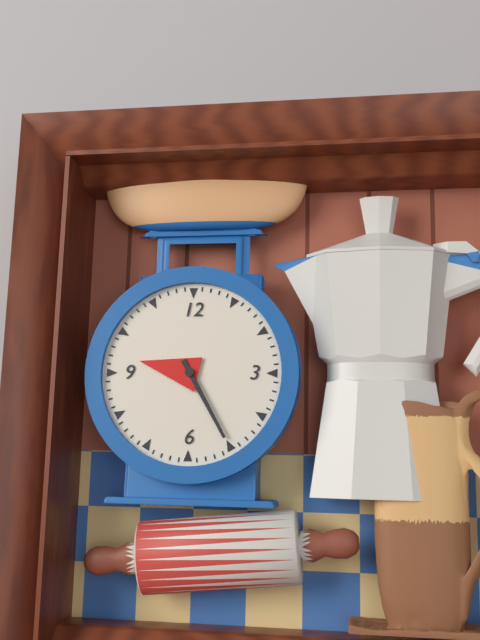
9:25
